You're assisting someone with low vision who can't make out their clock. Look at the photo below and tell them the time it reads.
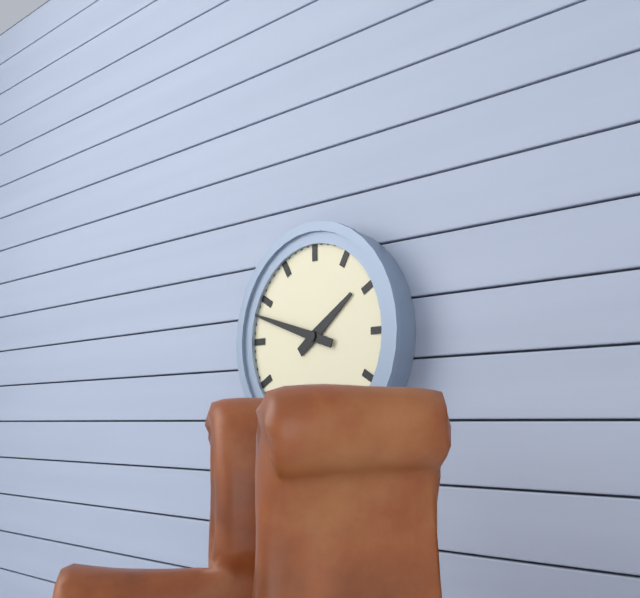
1:48
